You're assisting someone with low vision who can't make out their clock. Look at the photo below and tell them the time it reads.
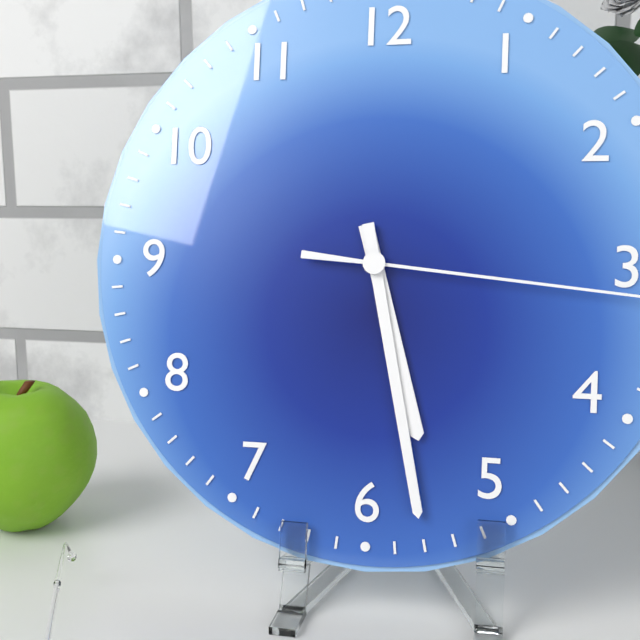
5:28
